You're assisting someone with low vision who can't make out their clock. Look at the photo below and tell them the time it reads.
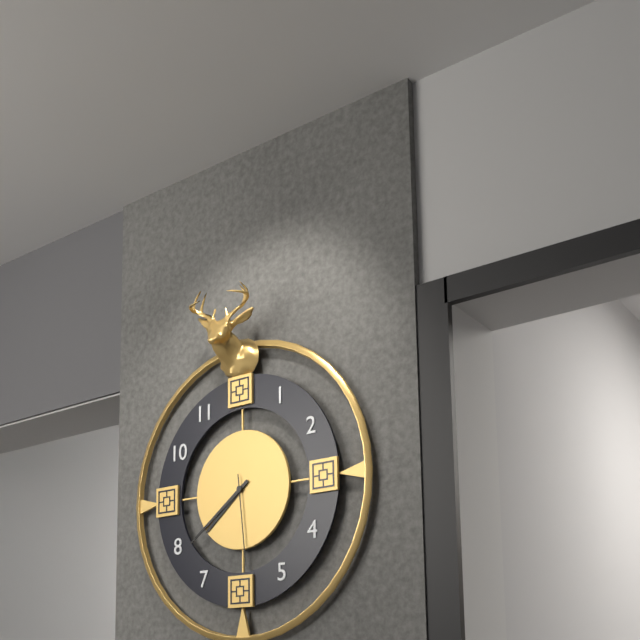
7:39:29
